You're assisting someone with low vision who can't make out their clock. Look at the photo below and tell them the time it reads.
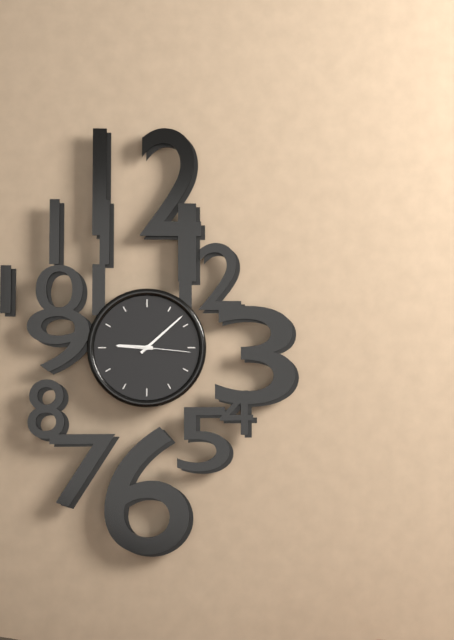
9:08:16
